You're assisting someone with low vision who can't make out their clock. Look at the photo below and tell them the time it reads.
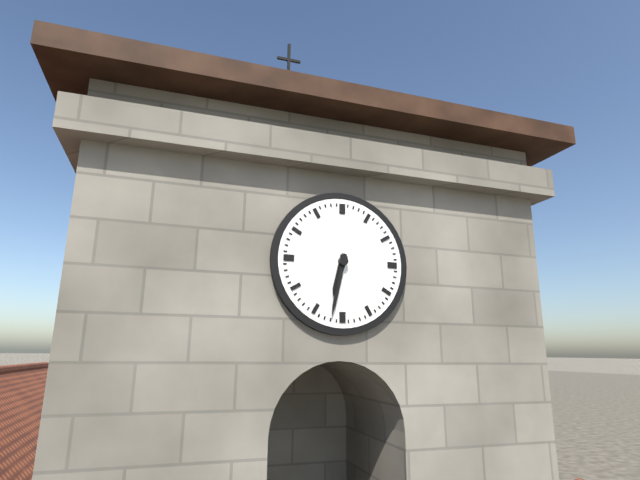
6:32
